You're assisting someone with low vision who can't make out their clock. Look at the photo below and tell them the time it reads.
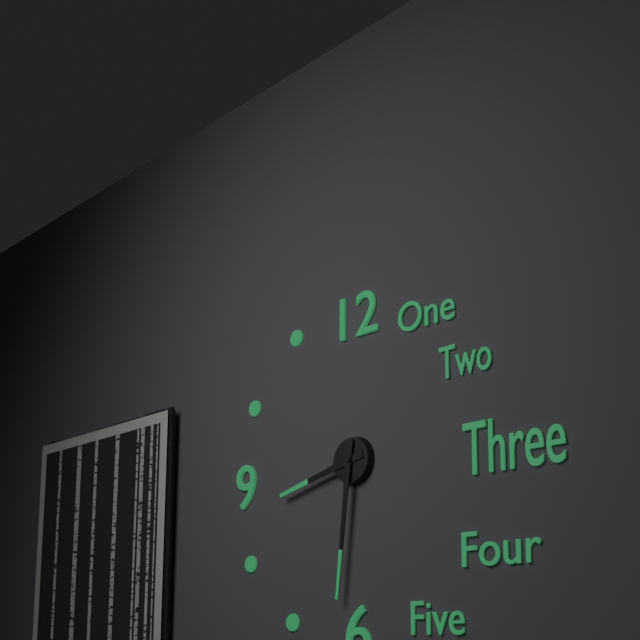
8:31
